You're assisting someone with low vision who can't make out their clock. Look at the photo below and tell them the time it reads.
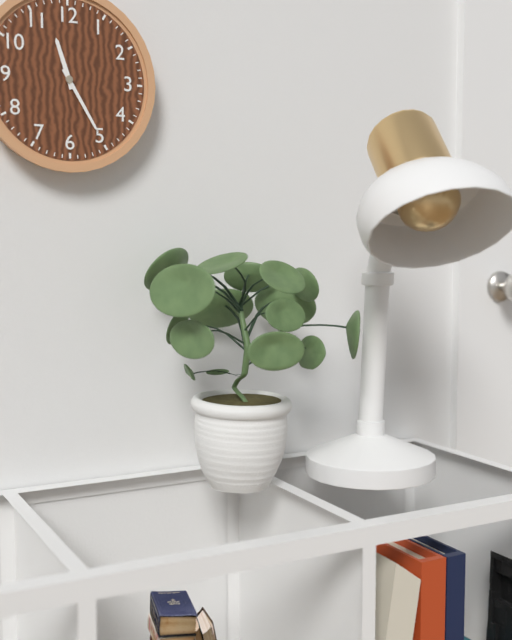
11:25
